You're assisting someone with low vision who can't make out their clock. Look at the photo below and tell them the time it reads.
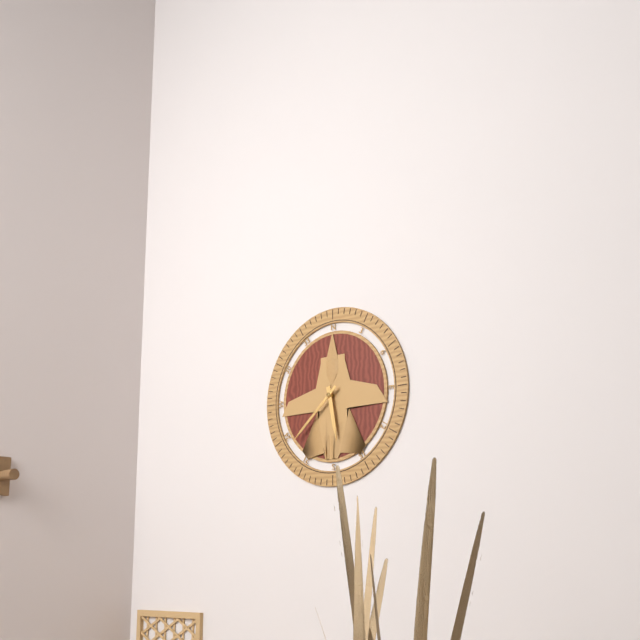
5:38
